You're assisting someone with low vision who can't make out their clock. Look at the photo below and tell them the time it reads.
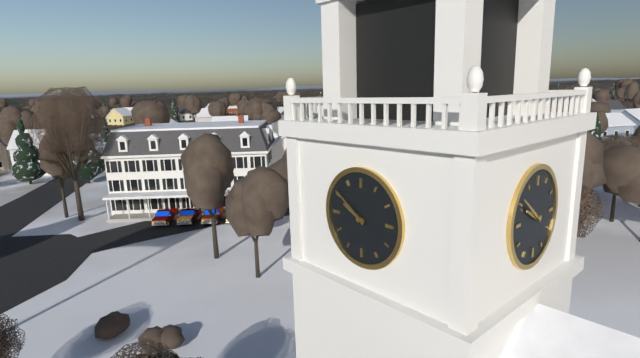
9:51
